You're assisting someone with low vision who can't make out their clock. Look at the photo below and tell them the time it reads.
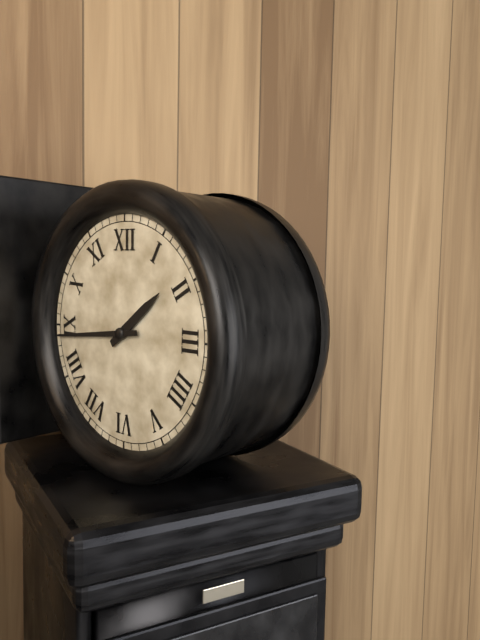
1:44
